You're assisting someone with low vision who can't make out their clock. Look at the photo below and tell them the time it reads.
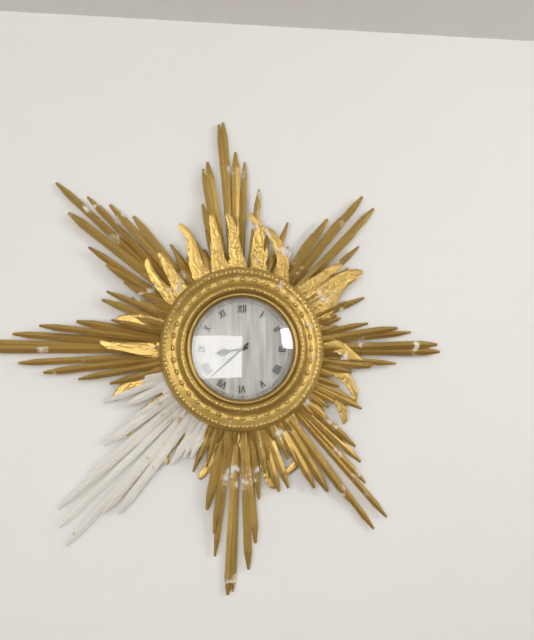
8:38
